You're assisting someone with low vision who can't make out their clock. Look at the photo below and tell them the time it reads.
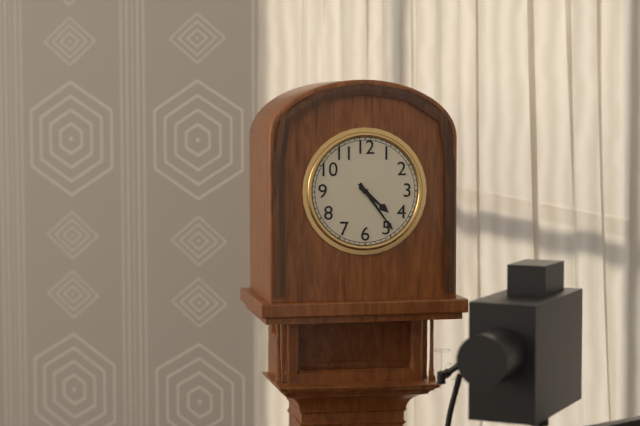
4:24
